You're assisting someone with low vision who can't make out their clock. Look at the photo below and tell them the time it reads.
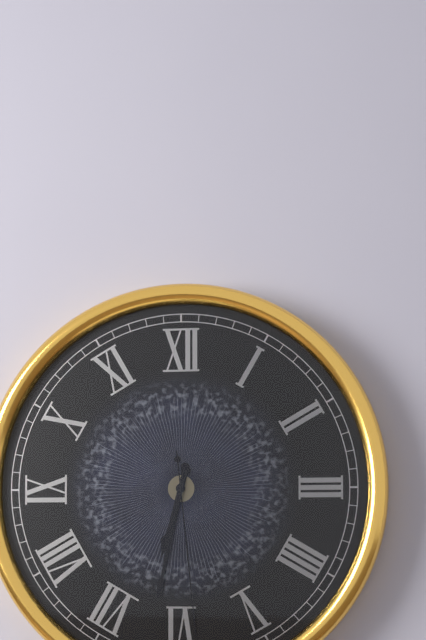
6:32:29
